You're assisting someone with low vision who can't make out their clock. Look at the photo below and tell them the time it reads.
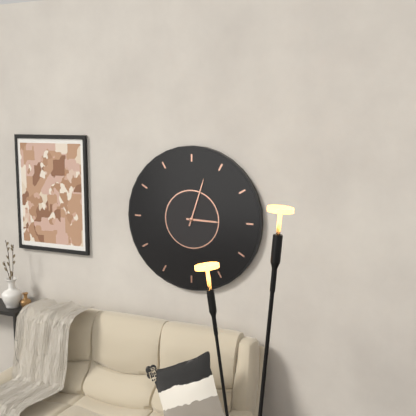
3:03
